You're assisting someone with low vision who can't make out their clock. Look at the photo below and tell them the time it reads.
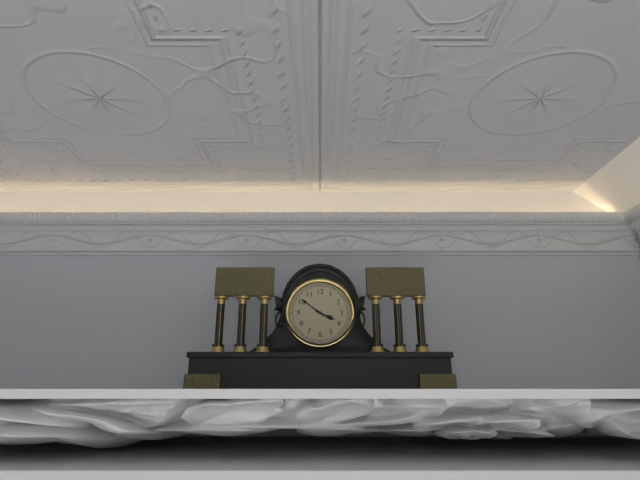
3:51
